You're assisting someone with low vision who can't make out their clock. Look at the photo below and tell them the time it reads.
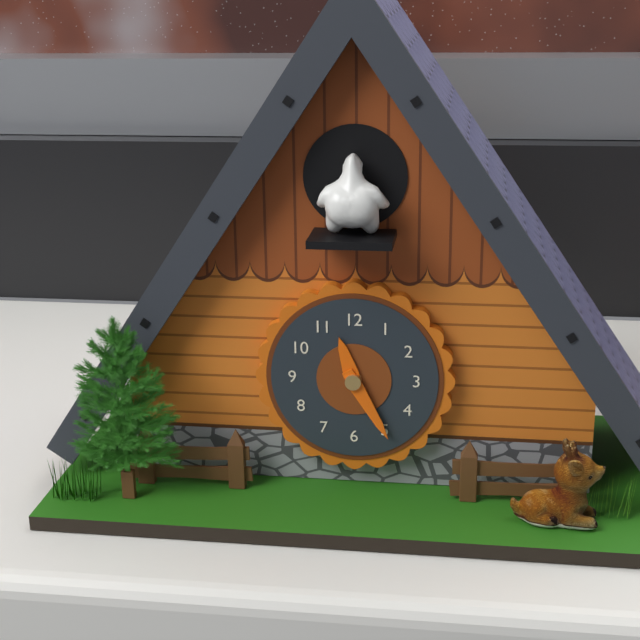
11:25
